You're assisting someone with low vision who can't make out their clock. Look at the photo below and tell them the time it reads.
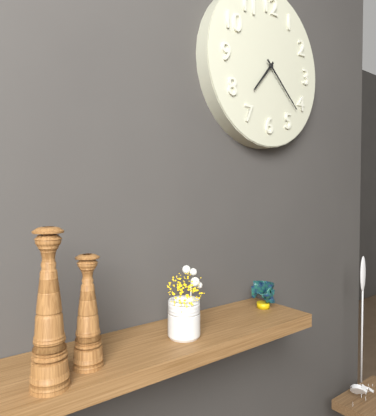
7:22
